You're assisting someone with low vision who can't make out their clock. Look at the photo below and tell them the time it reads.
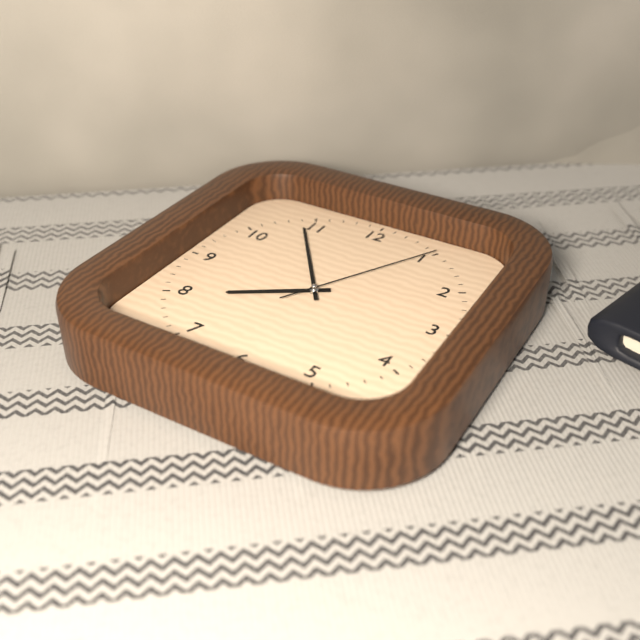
7:54:05
